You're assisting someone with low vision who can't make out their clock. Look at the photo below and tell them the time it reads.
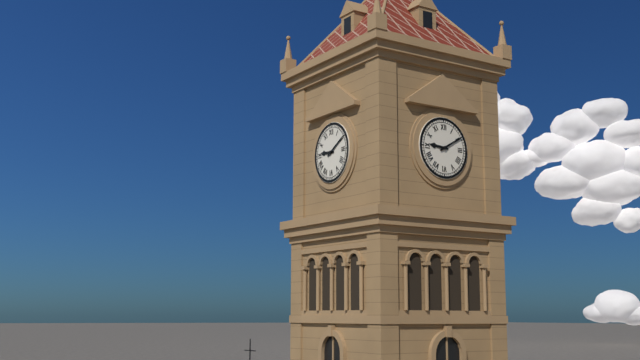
9:10
